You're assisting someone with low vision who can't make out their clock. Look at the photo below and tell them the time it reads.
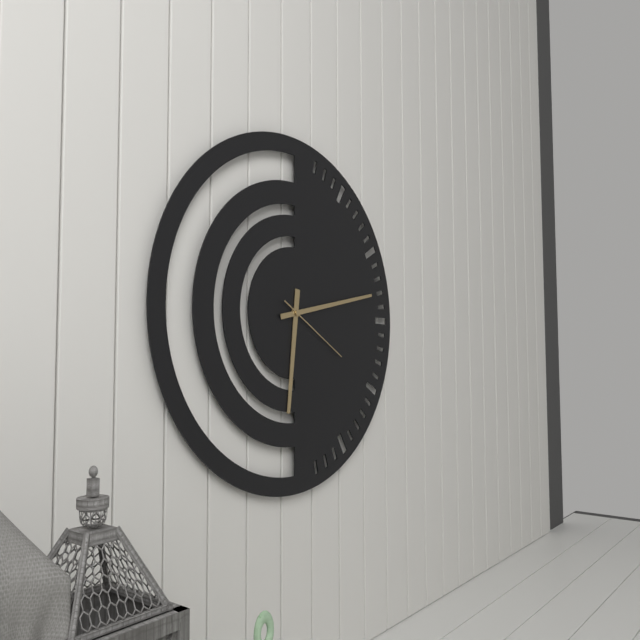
6:13:20
